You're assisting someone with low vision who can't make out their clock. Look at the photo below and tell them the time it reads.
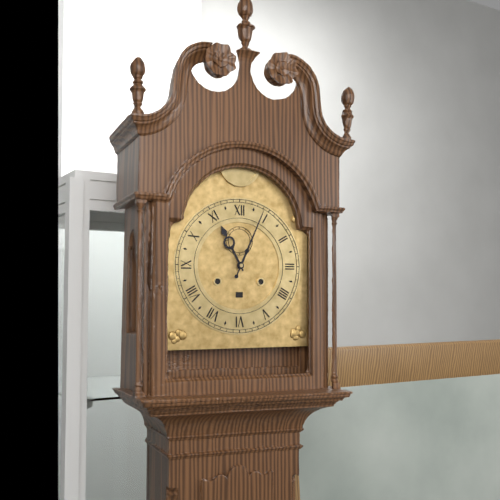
11:04
